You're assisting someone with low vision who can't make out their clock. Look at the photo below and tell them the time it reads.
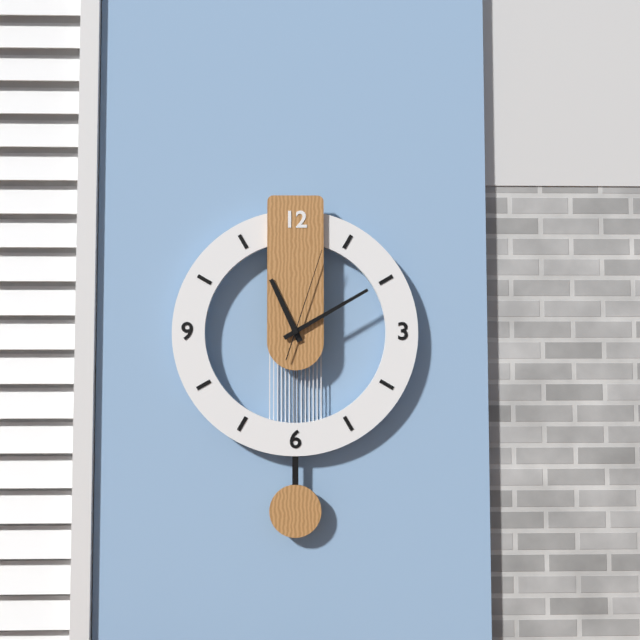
11:10:03
